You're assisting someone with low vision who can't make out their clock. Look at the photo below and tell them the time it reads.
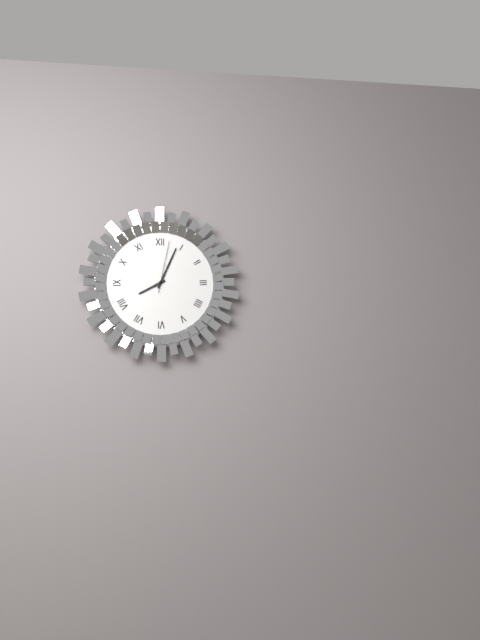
8:04:02
